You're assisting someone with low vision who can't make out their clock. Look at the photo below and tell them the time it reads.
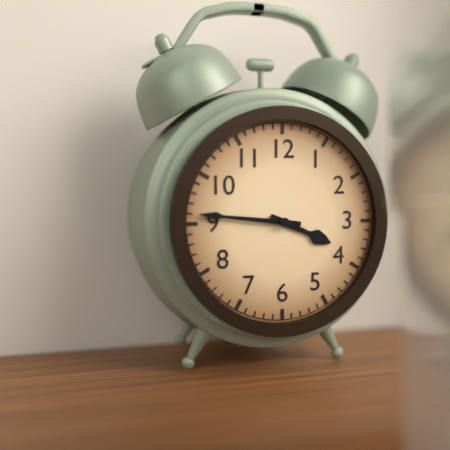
3:46
